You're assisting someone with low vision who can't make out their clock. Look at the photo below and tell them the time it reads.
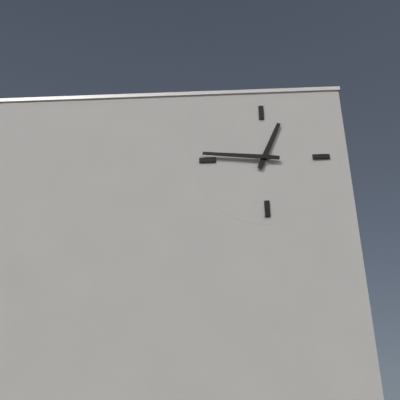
12:46
